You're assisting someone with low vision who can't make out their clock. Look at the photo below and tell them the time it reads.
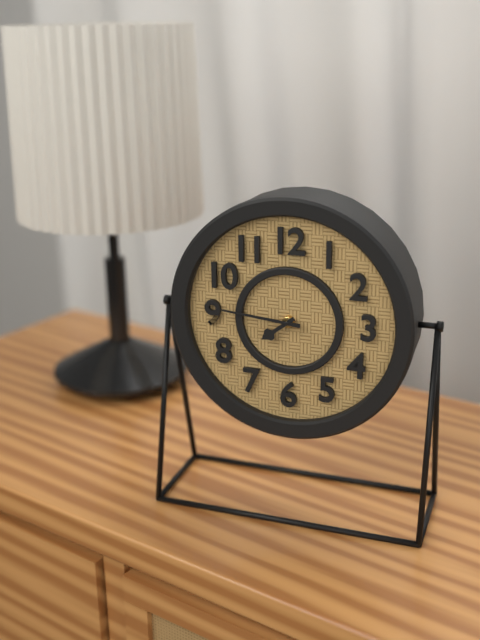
7:46
